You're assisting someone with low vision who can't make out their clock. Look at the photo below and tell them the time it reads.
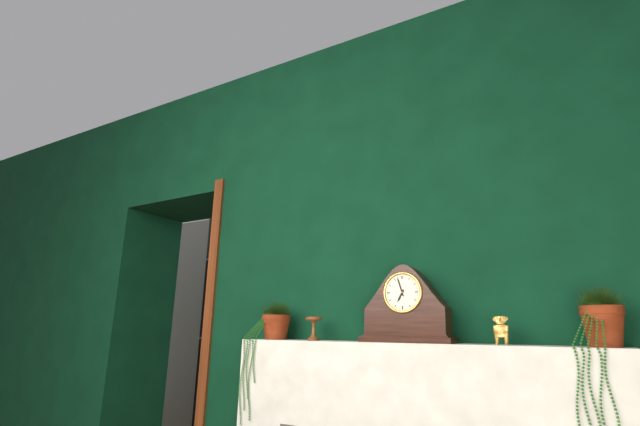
6:57
